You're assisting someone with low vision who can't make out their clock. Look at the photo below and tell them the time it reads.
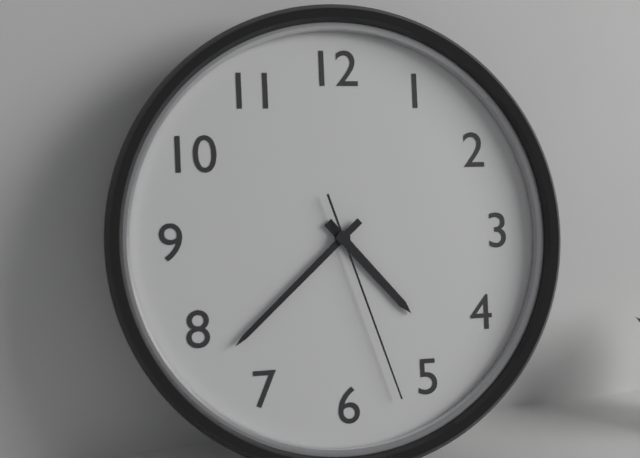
4:38:27
